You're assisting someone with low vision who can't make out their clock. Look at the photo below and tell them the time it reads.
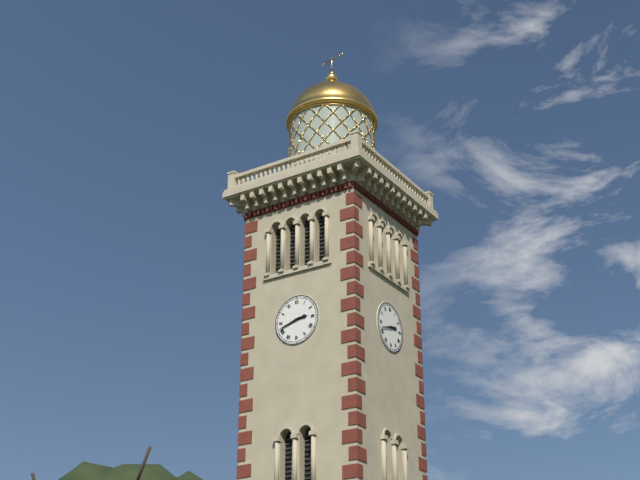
2:42
